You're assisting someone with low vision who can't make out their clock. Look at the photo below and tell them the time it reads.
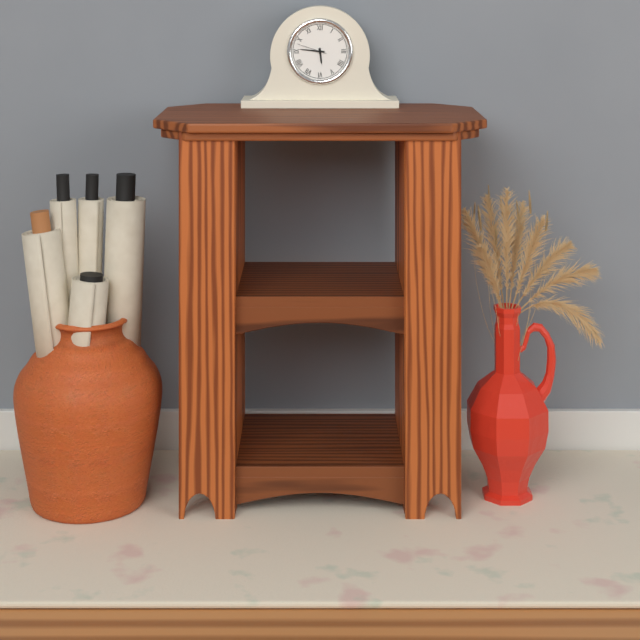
5:46
